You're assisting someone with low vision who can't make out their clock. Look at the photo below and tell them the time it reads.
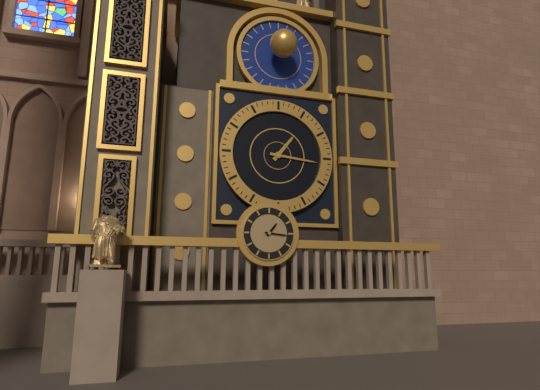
1:16
